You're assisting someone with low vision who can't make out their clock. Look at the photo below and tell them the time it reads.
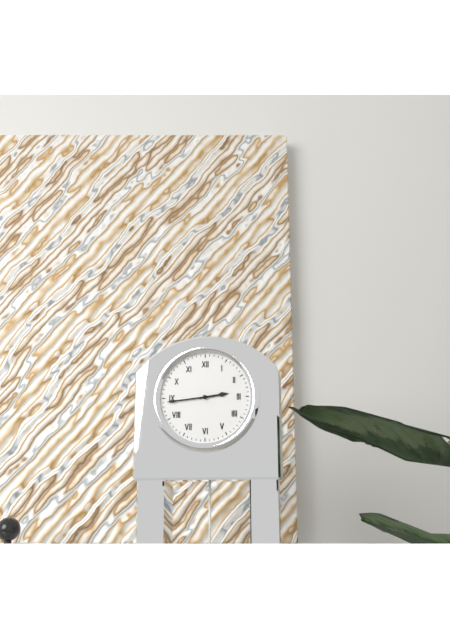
2:44
